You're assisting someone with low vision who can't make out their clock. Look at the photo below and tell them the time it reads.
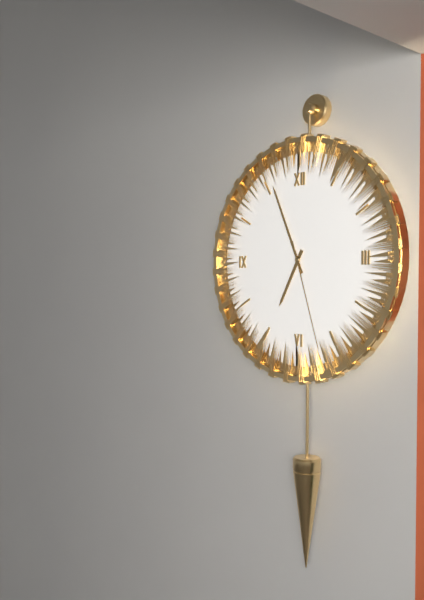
6:56:27
